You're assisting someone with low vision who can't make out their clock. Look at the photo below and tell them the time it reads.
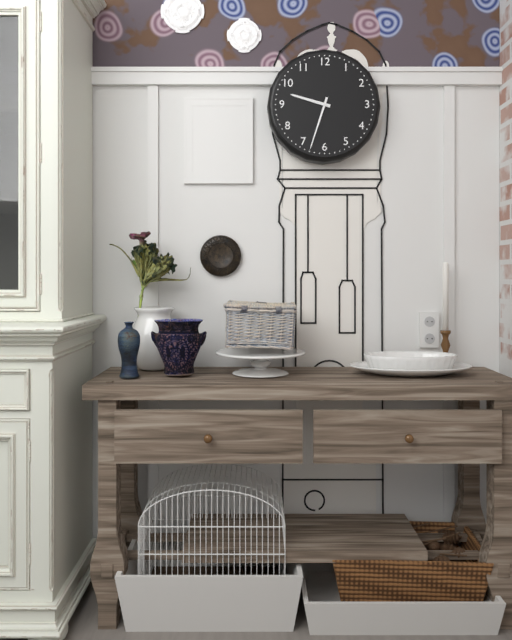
9:33
